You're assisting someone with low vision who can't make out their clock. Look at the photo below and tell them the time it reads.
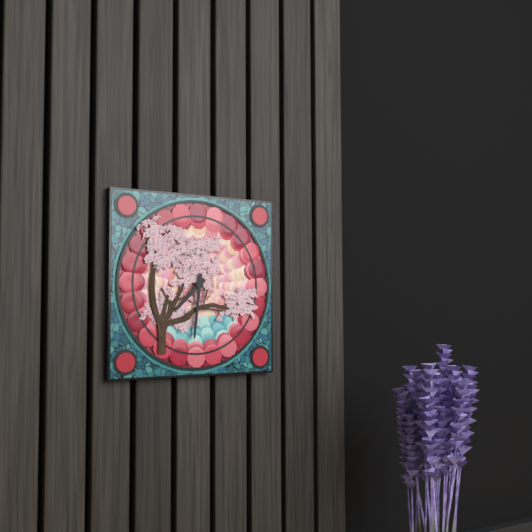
7:31
